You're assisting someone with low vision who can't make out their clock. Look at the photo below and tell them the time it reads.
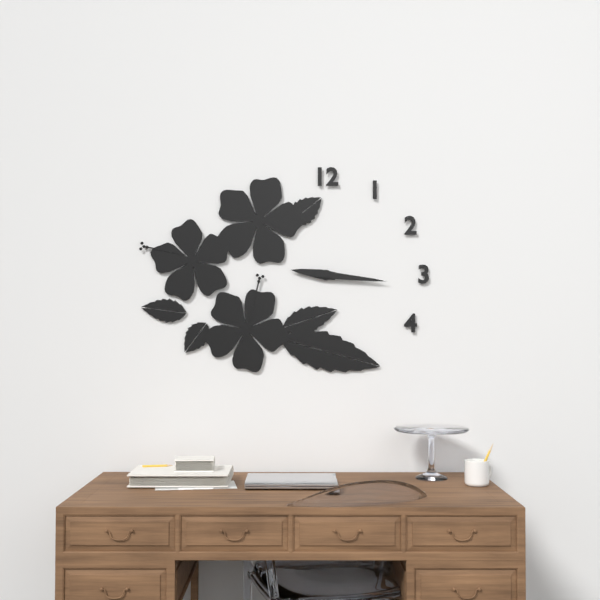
9:16
